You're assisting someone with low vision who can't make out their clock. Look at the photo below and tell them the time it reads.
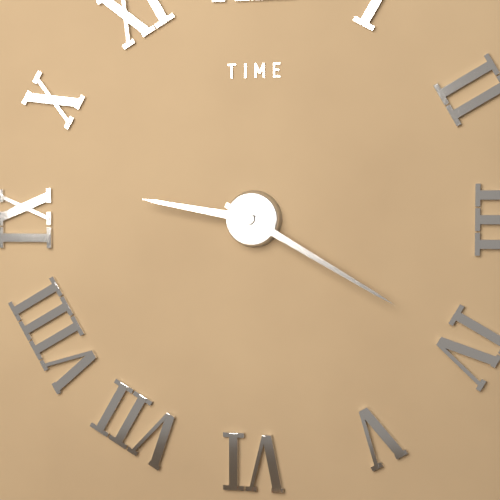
9:20
